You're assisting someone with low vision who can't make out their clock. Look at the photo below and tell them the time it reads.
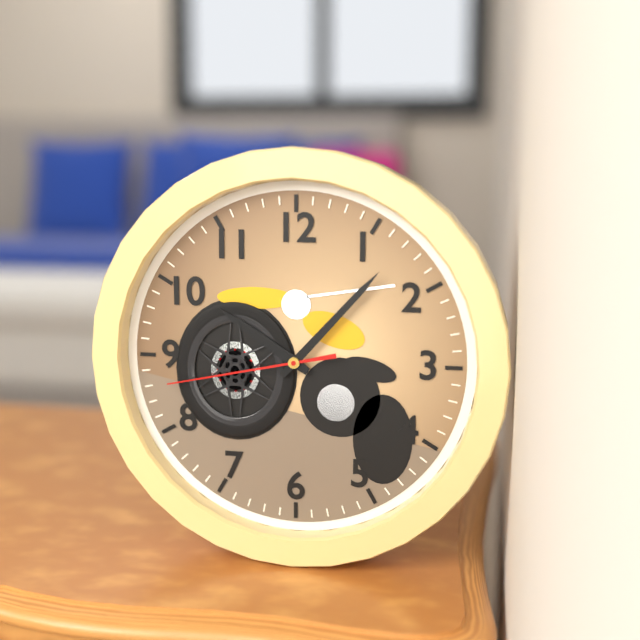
10:07:43
